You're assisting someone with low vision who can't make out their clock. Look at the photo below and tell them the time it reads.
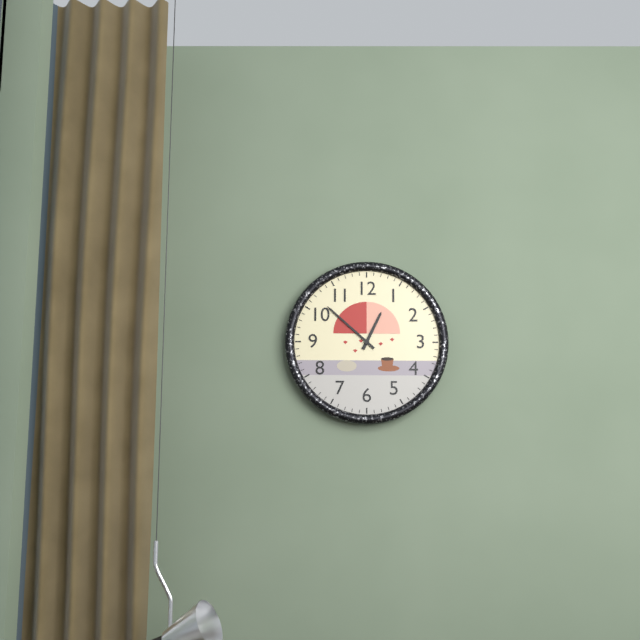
12:52
